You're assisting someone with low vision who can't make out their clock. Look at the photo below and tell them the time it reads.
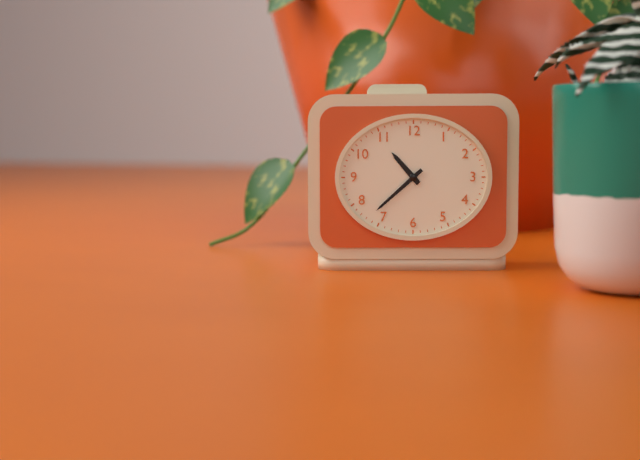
10:38
